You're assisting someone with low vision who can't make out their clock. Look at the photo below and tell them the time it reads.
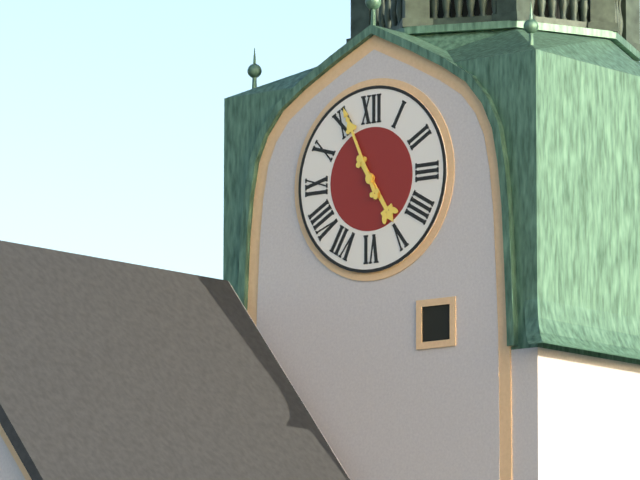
4:56
